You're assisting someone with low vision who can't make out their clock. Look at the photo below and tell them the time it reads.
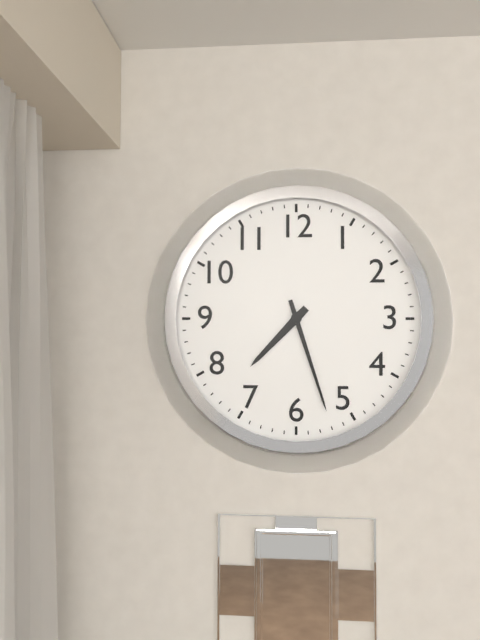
7:27
